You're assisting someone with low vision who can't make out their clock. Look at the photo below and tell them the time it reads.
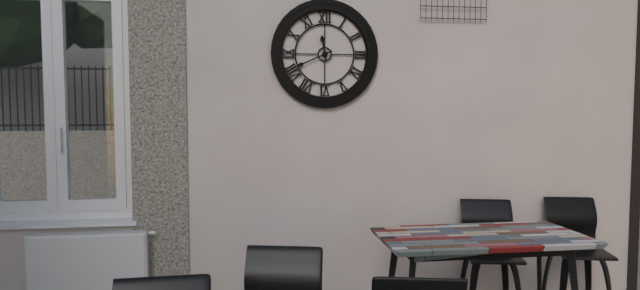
11:41
